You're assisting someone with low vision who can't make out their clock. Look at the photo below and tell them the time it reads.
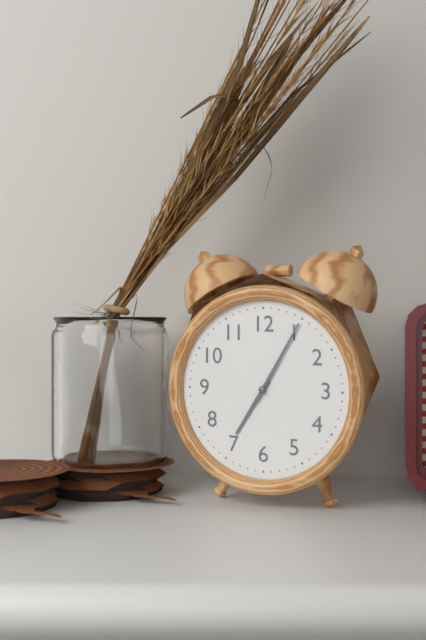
7:05
